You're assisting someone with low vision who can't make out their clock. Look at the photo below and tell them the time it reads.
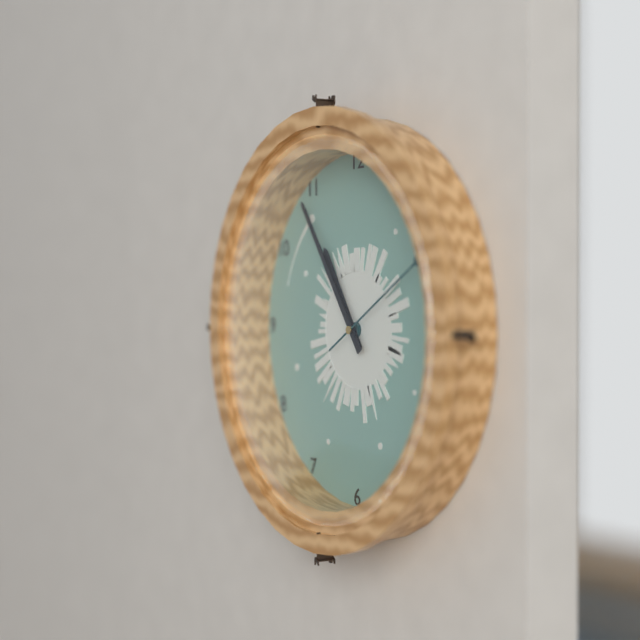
10:54:10
